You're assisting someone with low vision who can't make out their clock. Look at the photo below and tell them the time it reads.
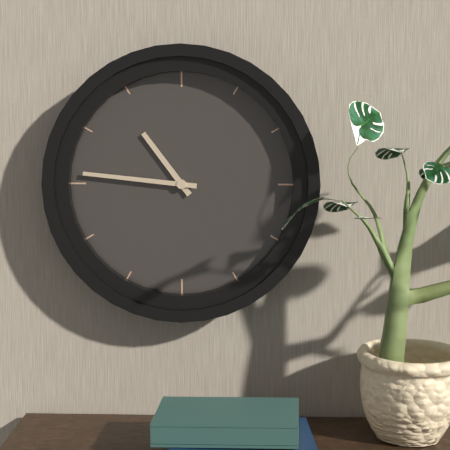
10:46
